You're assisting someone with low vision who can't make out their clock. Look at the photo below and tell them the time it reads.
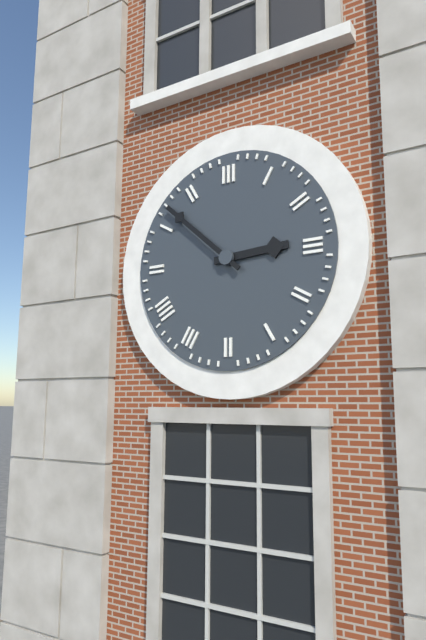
2:52
